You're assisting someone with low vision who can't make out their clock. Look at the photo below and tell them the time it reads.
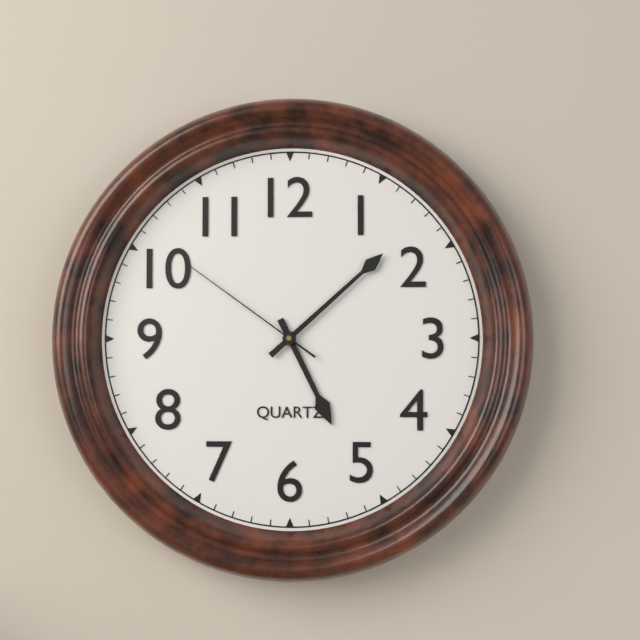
5:08:51
